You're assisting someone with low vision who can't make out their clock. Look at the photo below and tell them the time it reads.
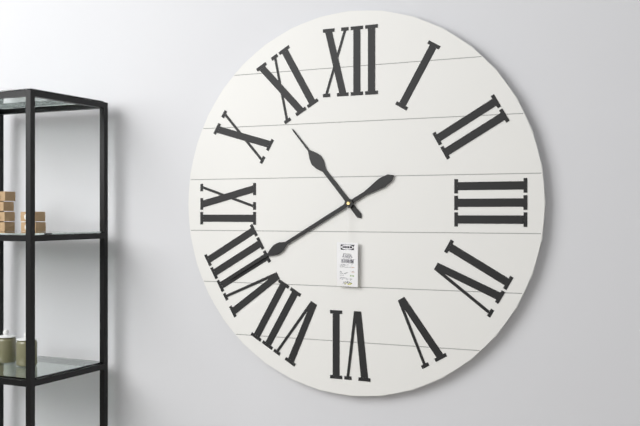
10:40
